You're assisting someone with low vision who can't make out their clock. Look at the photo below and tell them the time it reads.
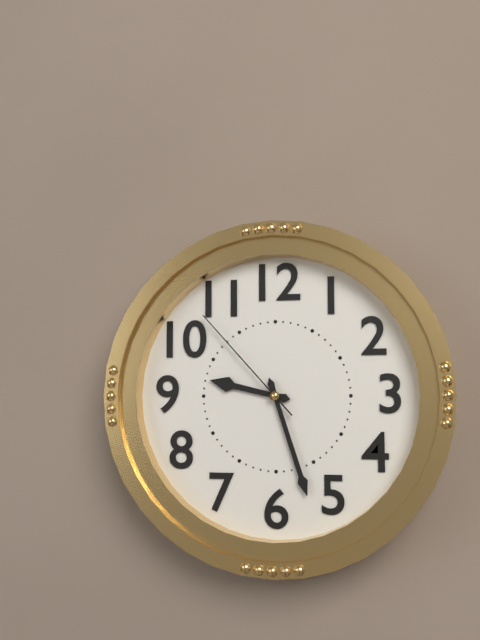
9:27:53
